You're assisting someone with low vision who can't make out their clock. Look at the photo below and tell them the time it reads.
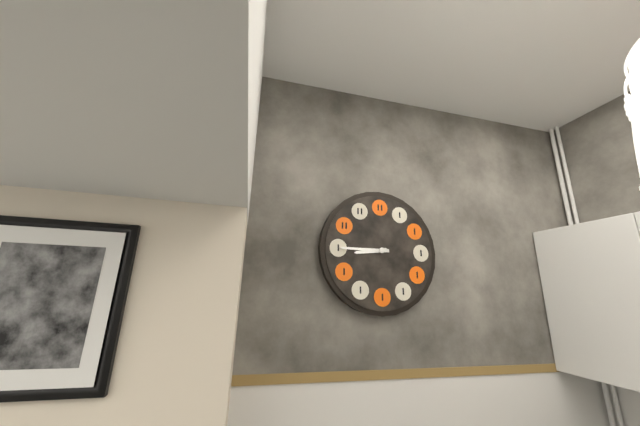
8:45
